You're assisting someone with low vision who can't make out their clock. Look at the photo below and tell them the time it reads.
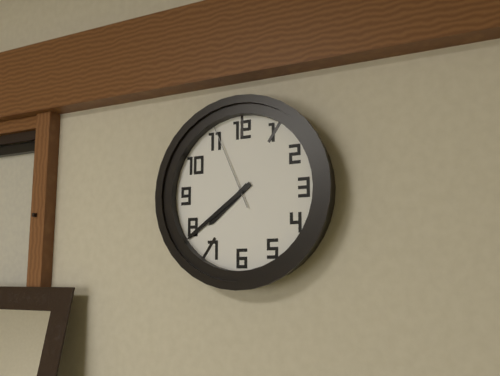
7:39:56
